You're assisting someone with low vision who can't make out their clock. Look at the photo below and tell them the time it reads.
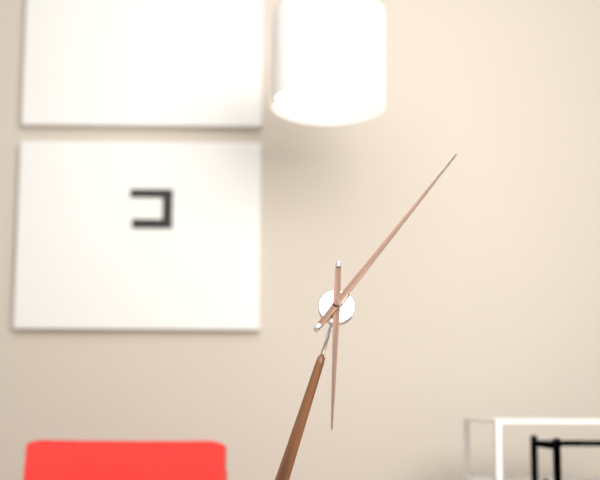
6:06
